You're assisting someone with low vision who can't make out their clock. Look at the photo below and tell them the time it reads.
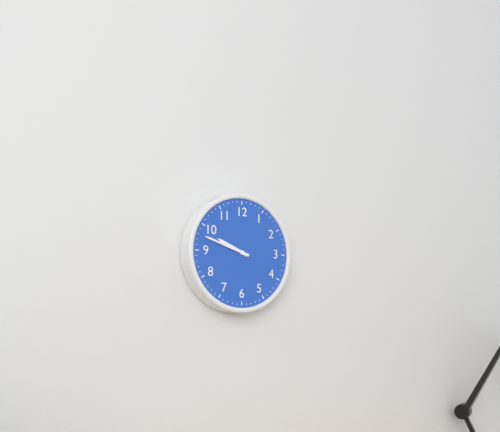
9:48
